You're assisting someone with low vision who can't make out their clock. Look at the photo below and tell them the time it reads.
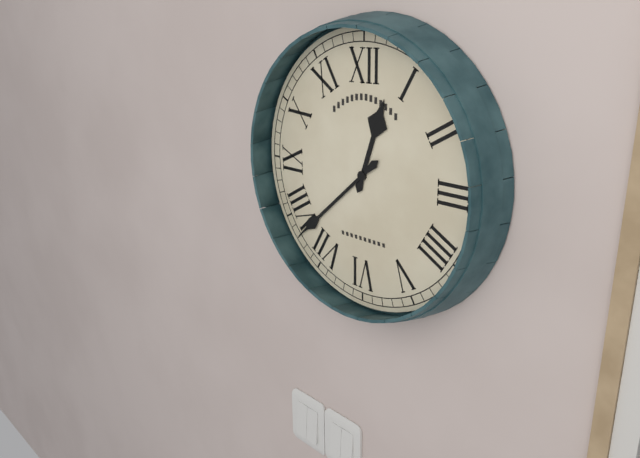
12:38
